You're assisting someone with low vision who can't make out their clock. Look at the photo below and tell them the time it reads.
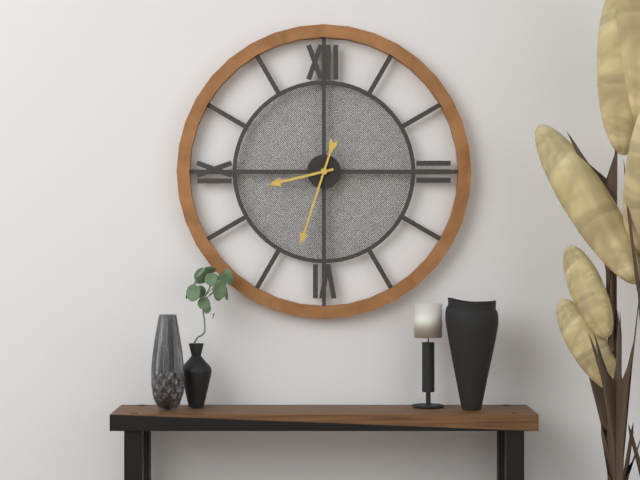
8:33
